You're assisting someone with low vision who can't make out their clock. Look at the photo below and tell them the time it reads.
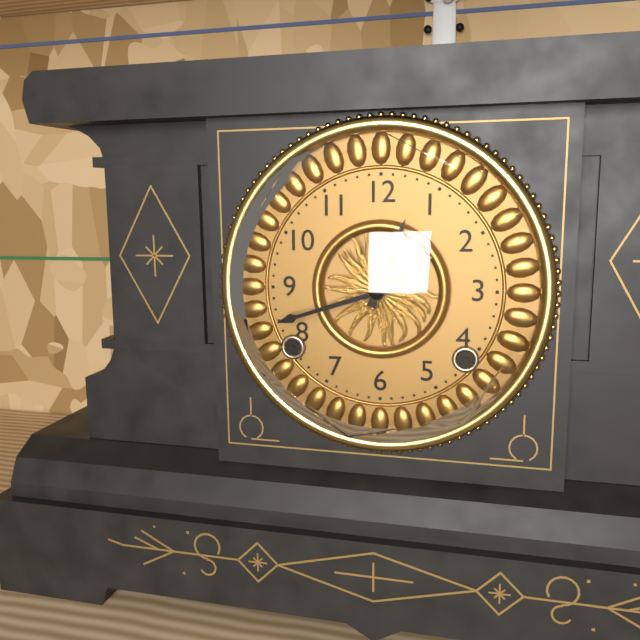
12:42
